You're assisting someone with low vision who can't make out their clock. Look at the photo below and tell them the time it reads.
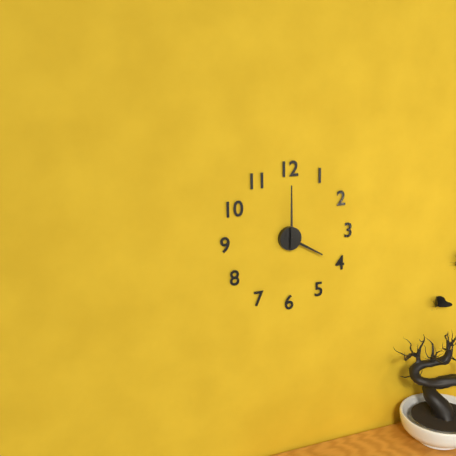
4:00
